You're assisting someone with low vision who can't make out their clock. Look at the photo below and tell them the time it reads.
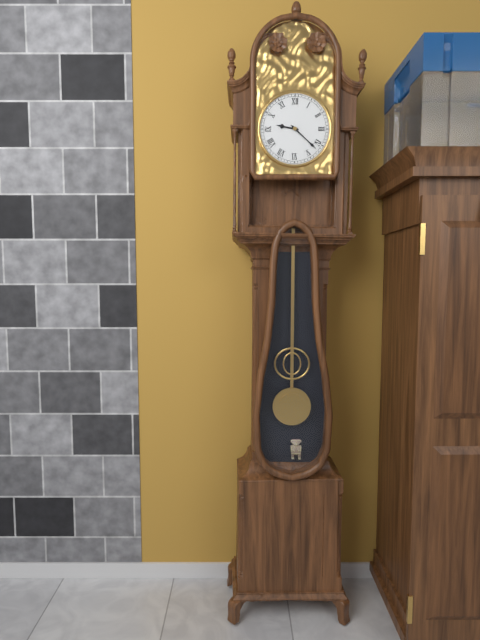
9:22
